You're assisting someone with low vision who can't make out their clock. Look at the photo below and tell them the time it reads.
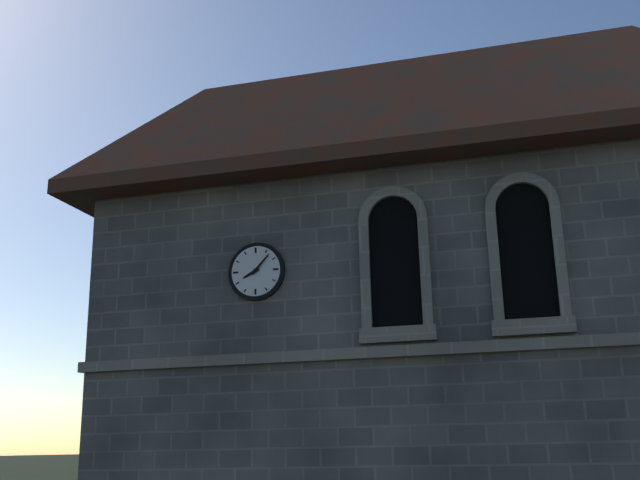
8:07
